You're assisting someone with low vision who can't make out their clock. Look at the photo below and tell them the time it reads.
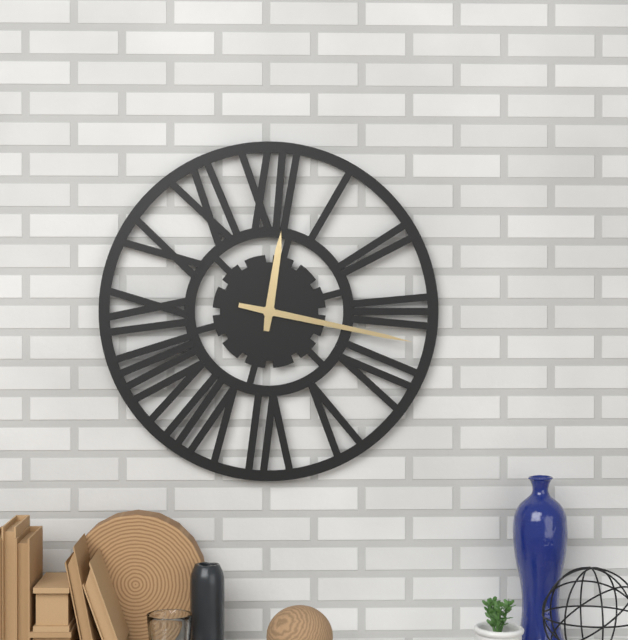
12:17
